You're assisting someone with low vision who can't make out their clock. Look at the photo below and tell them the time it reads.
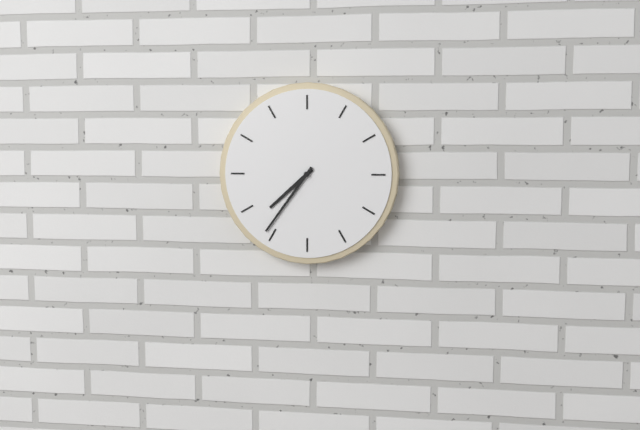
7:36
